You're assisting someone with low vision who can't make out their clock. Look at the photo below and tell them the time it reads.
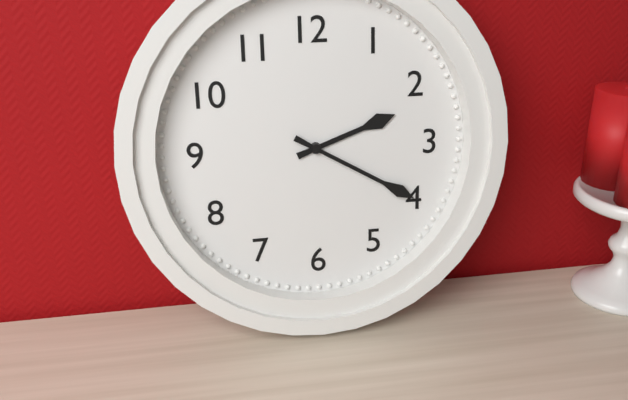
2:20
